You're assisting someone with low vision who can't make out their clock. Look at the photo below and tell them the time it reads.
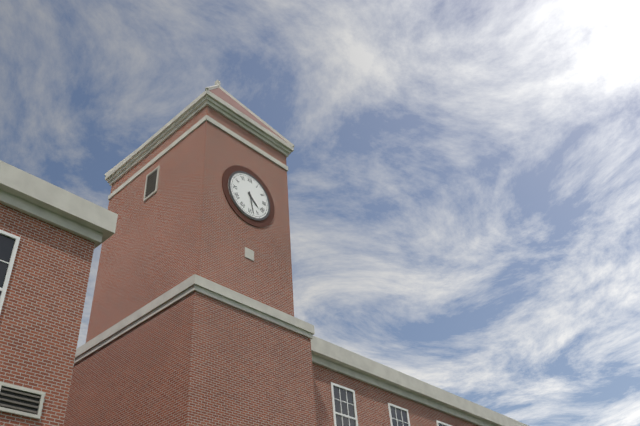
4:28
